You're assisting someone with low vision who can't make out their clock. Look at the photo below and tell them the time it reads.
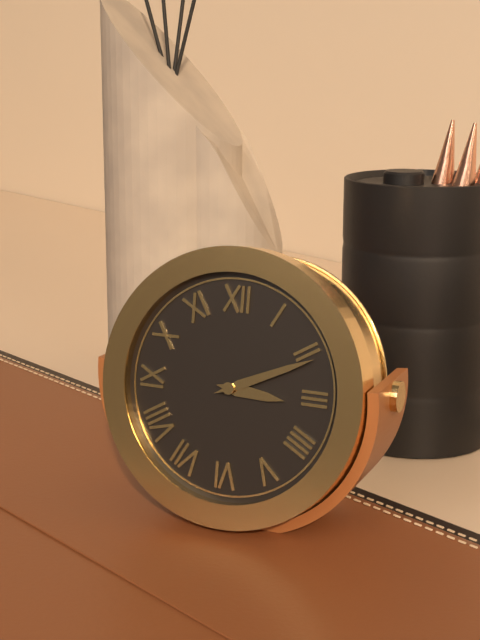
3:11
